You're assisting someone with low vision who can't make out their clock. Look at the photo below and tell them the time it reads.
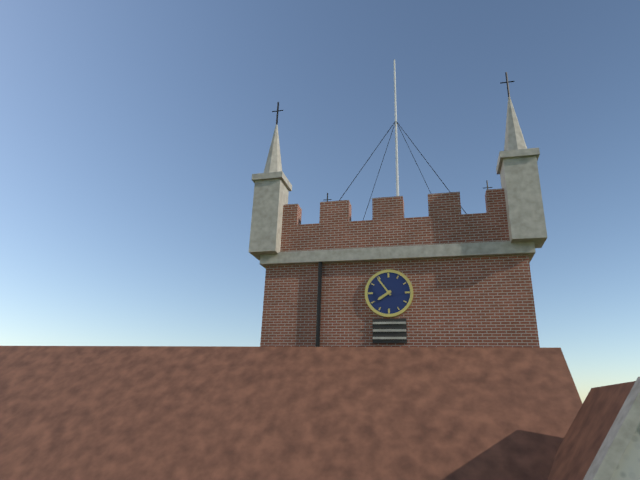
7:54
